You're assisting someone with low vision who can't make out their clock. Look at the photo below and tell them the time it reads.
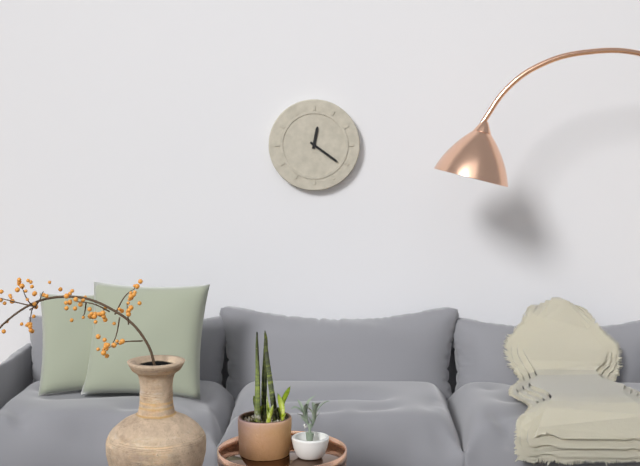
12:21
